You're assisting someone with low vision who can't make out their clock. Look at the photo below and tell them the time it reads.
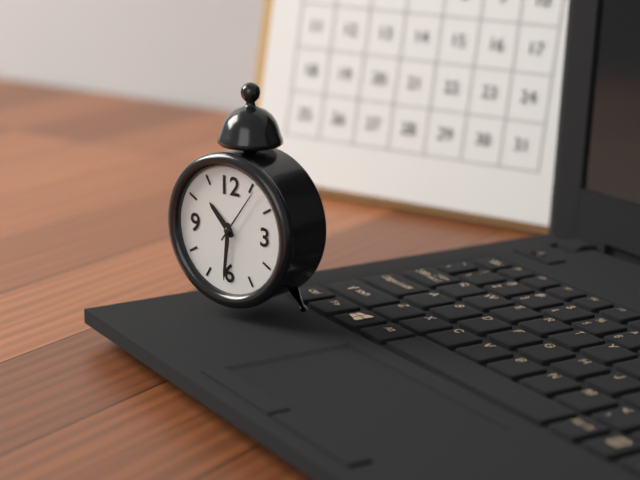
10:31:06
